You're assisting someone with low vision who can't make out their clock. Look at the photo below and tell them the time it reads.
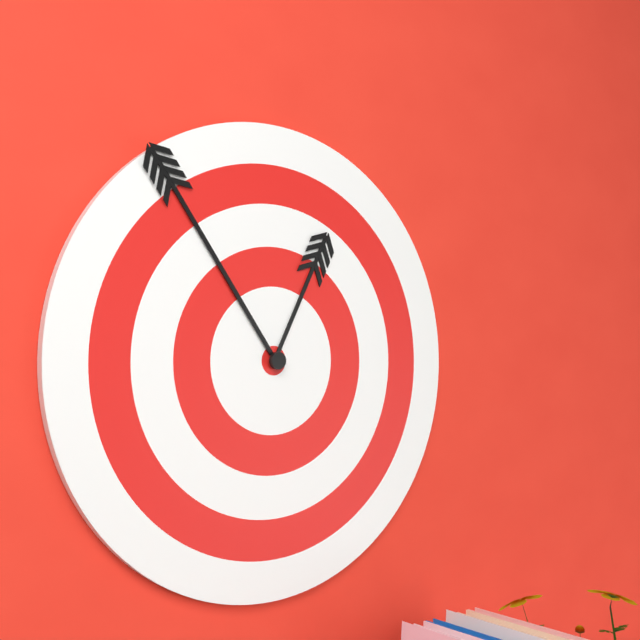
12:54
